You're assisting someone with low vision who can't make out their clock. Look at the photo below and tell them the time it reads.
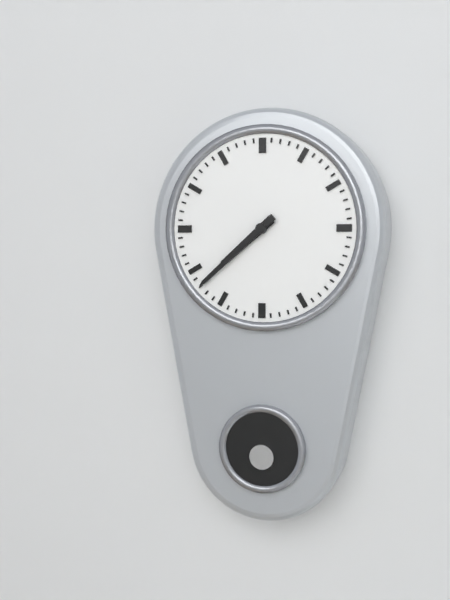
7:38
